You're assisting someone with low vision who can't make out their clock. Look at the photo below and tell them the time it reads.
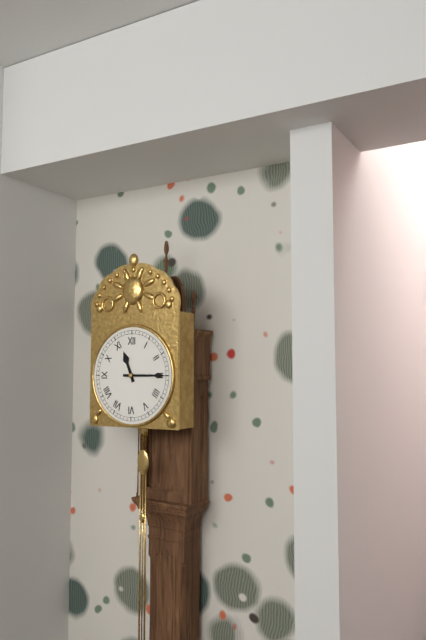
11:15
